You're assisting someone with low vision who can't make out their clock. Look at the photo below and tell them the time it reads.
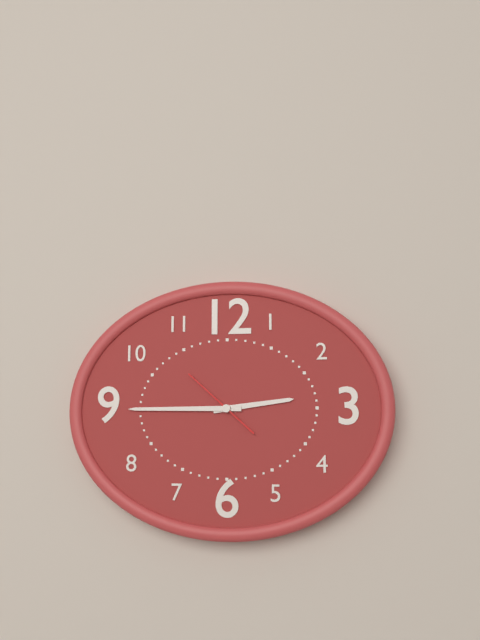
2:45:52
